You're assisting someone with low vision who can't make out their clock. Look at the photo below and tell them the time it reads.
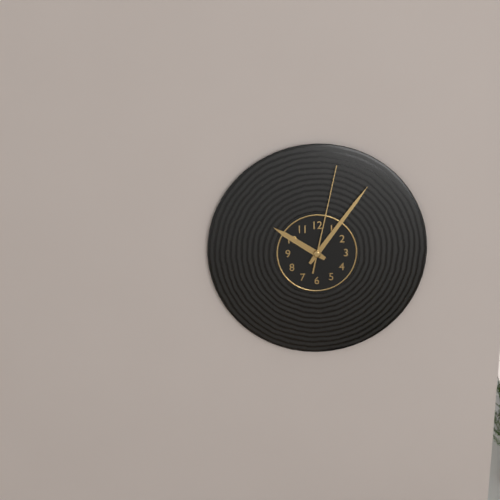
10:06:02
